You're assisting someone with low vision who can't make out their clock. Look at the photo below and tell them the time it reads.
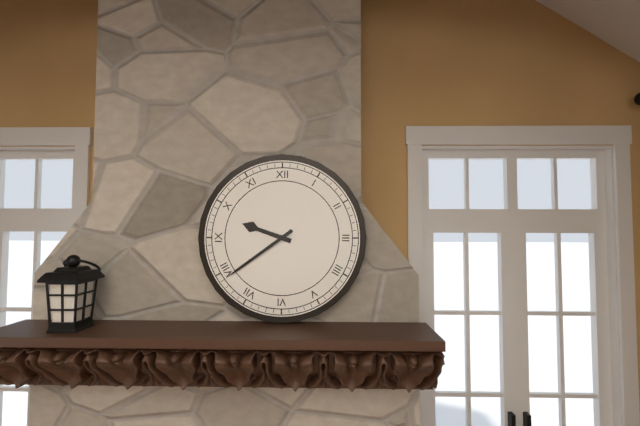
9:39
